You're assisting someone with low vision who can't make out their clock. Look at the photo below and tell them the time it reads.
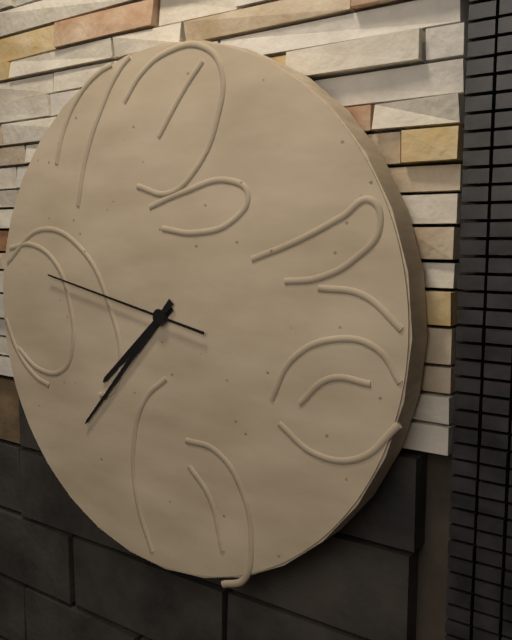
7:37:47
